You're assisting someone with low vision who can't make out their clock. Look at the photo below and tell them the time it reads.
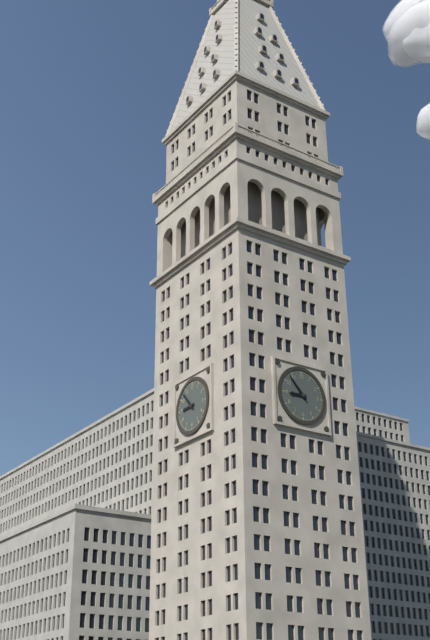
8:53
